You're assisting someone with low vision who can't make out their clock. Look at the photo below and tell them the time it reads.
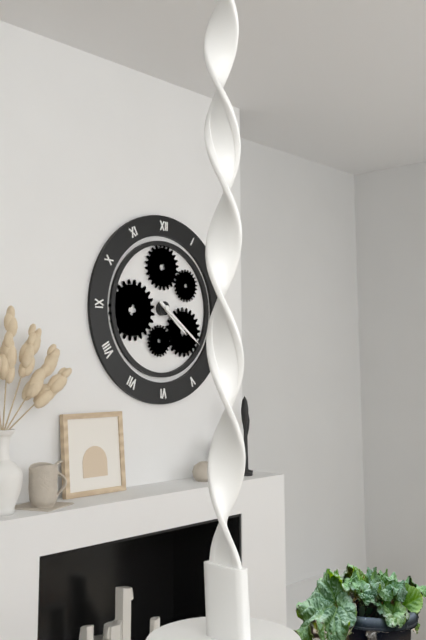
4:21
